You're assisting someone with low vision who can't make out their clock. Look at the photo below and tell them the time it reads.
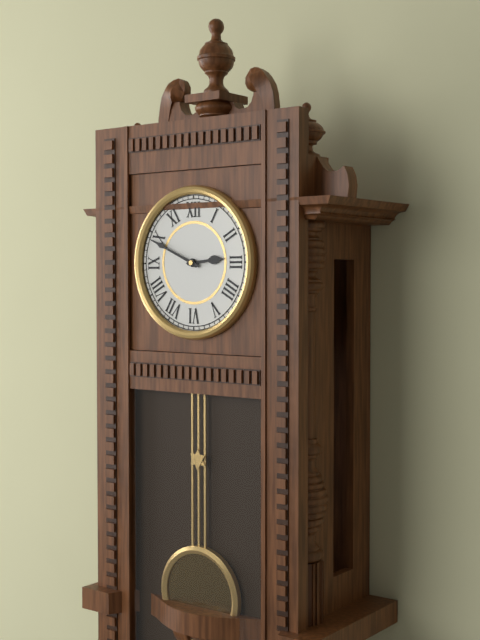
2:49
